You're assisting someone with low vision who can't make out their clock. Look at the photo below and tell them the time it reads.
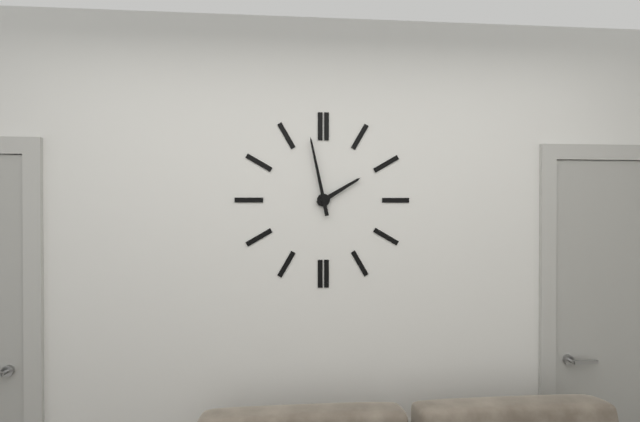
1:58
